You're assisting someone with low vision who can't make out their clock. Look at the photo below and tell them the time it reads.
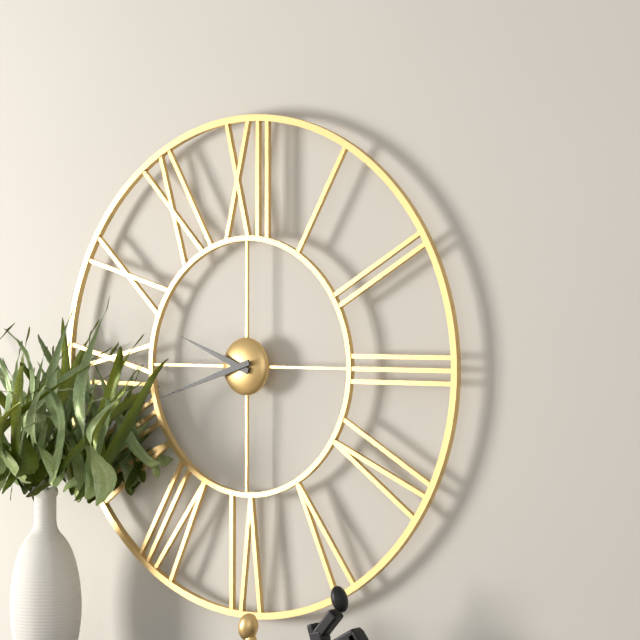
9:42
